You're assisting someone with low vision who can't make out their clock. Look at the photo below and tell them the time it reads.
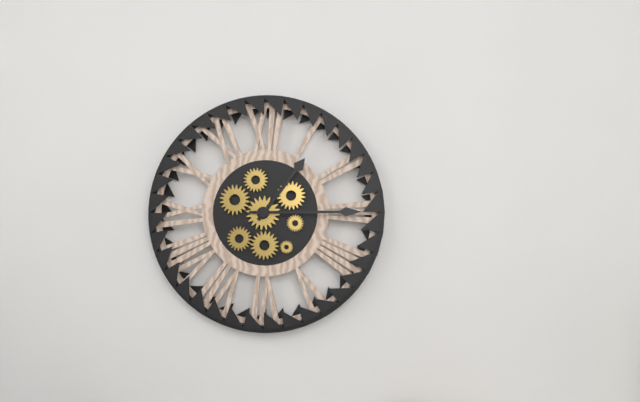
1:15
